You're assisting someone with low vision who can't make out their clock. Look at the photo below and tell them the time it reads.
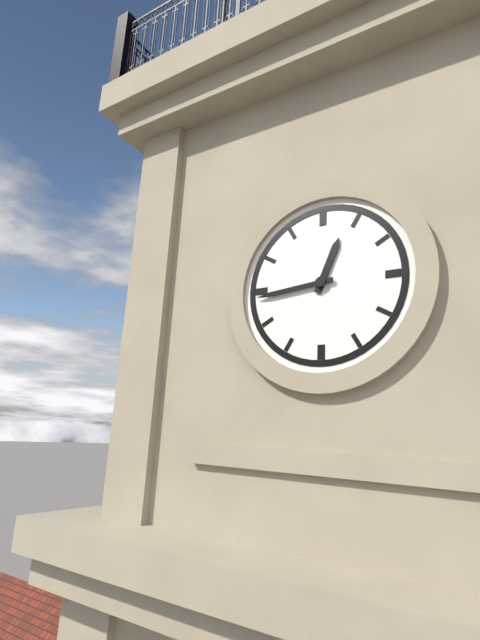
12:44
